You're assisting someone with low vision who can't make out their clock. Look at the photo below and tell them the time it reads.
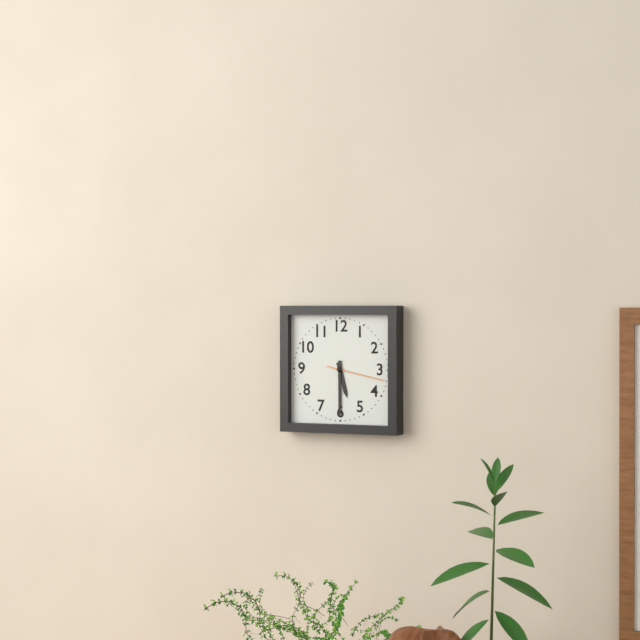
5:30:17
